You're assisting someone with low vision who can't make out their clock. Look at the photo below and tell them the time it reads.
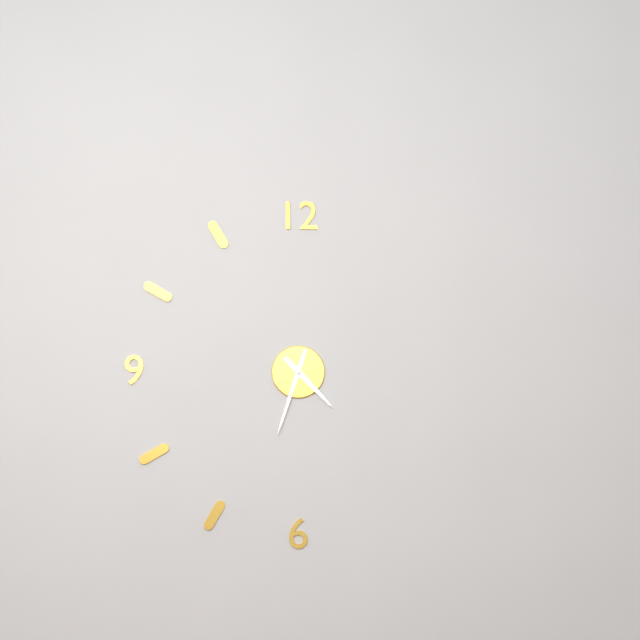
4:33
